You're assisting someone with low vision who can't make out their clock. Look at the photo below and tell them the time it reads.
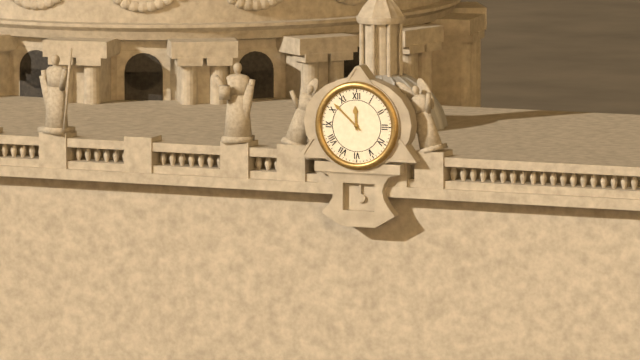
11:52
